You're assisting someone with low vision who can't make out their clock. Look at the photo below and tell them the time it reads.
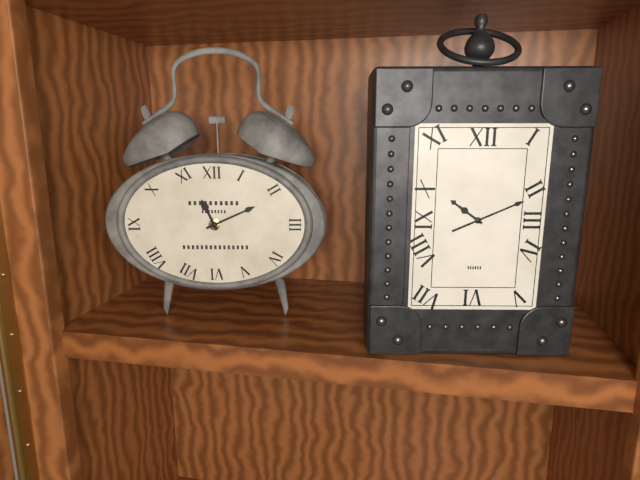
11:11
